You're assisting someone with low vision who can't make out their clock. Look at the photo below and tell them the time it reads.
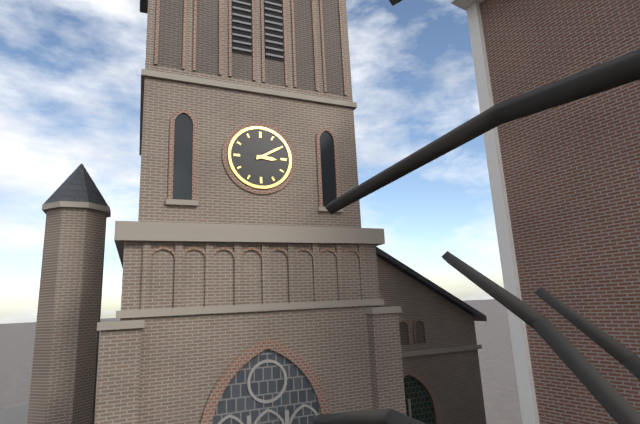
3:10
